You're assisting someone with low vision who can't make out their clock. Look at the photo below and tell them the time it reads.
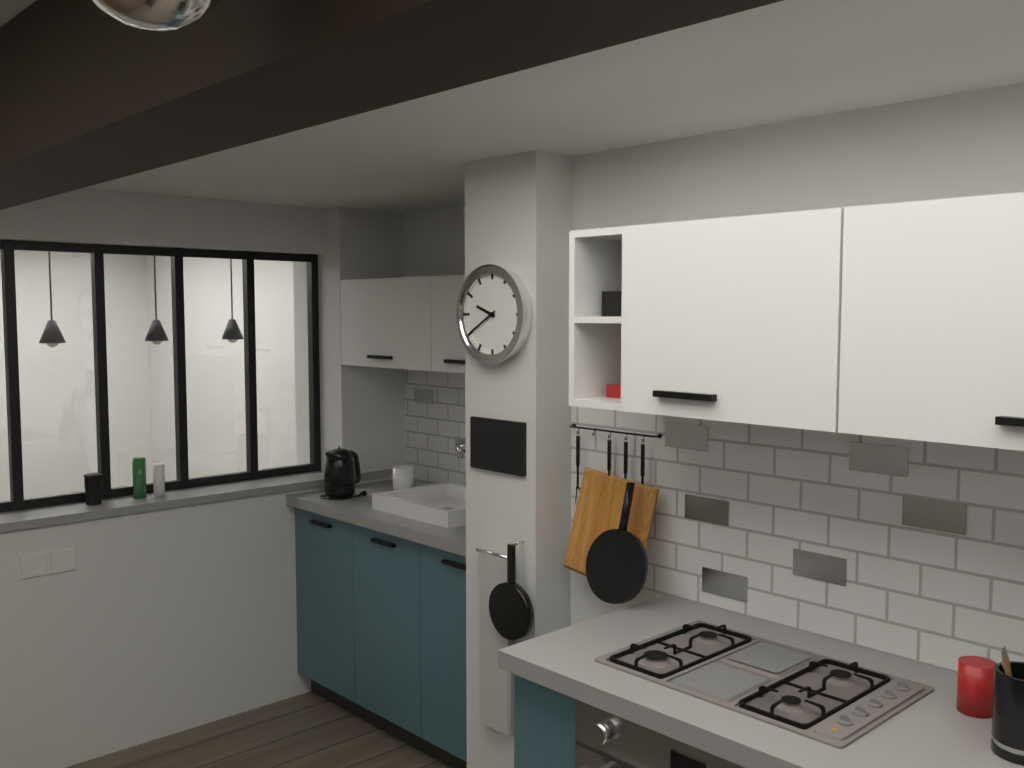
9:40
